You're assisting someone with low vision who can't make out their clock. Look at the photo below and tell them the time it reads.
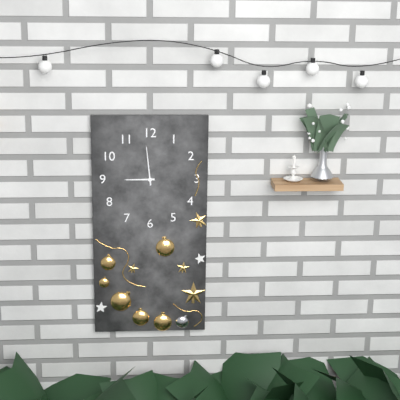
8:59
